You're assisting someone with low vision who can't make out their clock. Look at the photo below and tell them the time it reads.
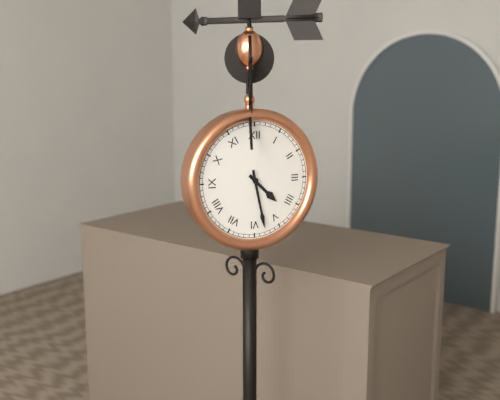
4:28
